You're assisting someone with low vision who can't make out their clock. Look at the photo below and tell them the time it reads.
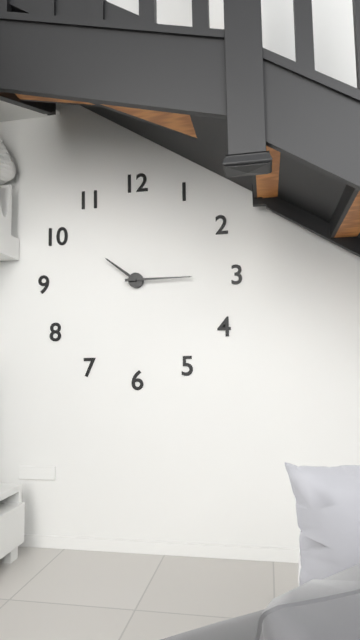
10:15
